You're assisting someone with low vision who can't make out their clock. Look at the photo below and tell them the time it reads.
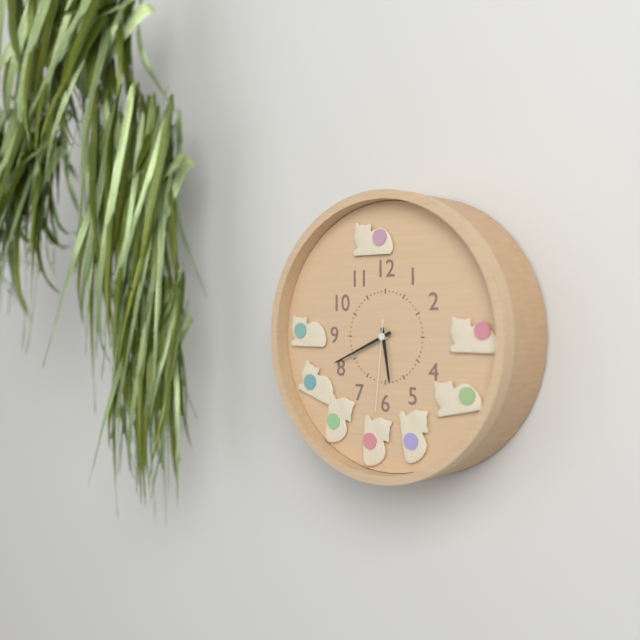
5:41:31
